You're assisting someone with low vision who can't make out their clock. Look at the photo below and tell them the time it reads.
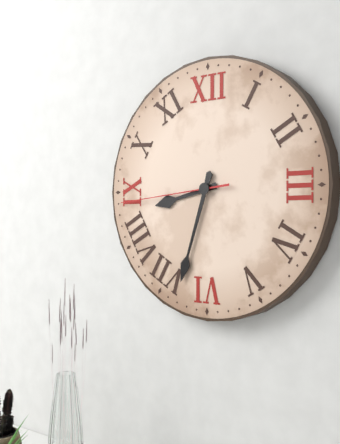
8:33:44
